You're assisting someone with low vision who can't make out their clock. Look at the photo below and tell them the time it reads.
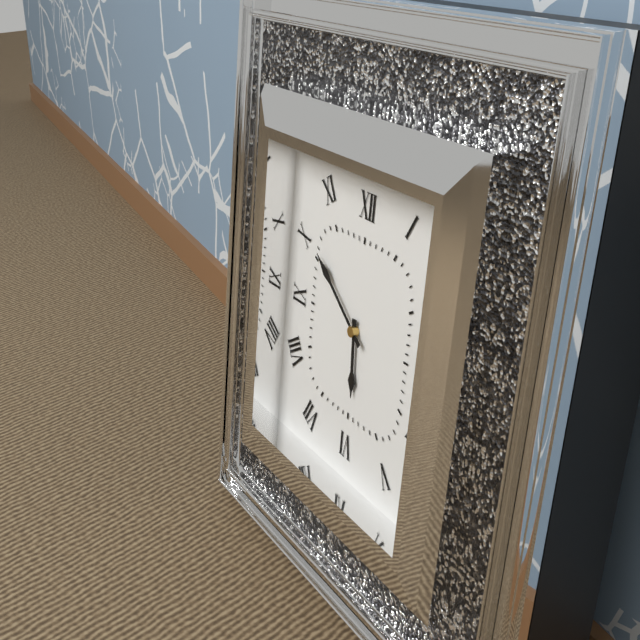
5:51
